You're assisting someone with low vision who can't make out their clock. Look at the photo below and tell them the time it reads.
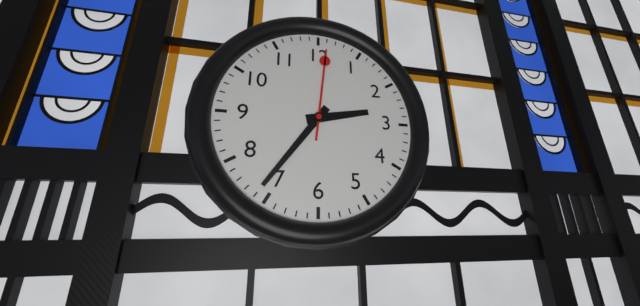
2:36:01
